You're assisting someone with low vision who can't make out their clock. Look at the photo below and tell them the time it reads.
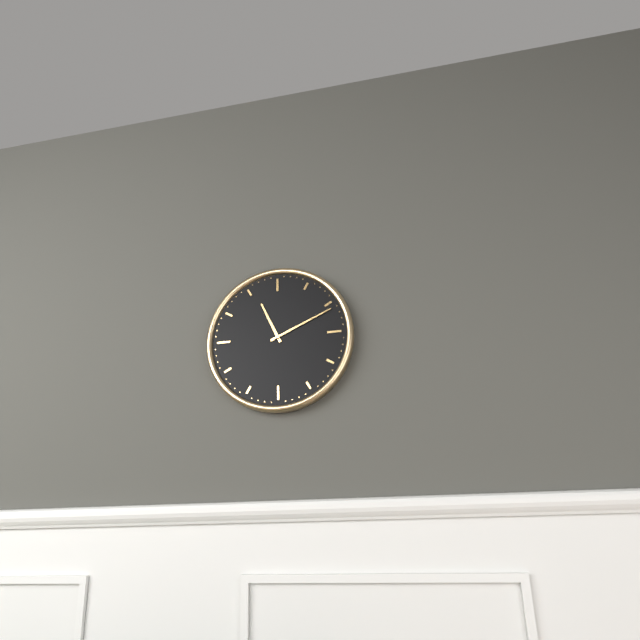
11:11
